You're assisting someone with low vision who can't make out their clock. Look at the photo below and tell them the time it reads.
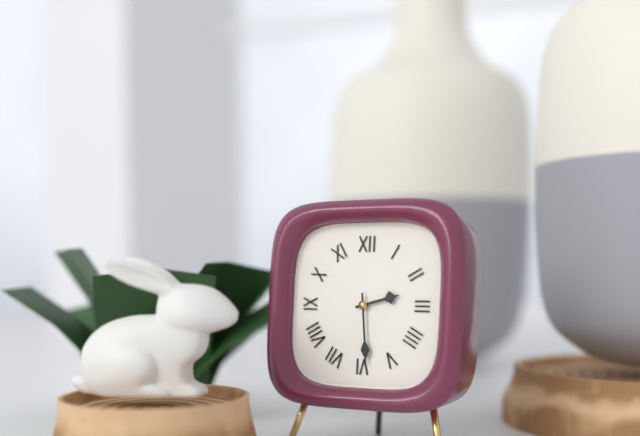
2:29
